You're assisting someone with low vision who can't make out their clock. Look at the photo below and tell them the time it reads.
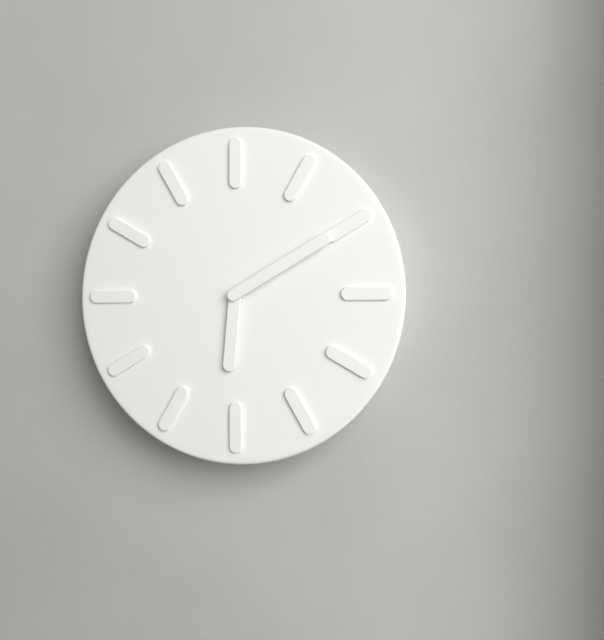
6:10
